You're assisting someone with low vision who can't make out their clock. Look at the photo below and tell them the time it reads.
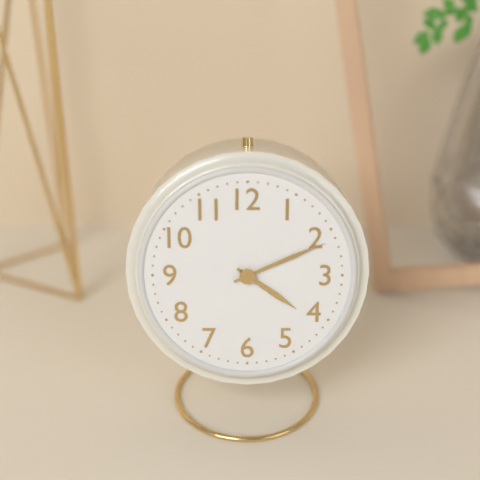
4:11
